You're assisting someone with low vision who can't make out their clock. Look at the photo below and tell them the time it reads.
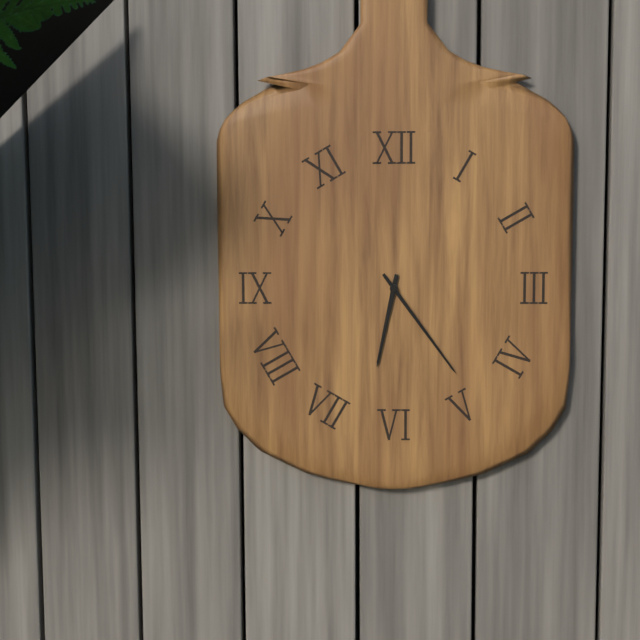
6:24
